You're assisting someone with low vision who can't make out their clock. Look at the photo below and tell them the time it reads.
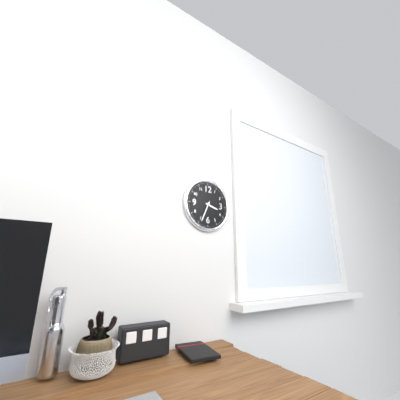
3:34
